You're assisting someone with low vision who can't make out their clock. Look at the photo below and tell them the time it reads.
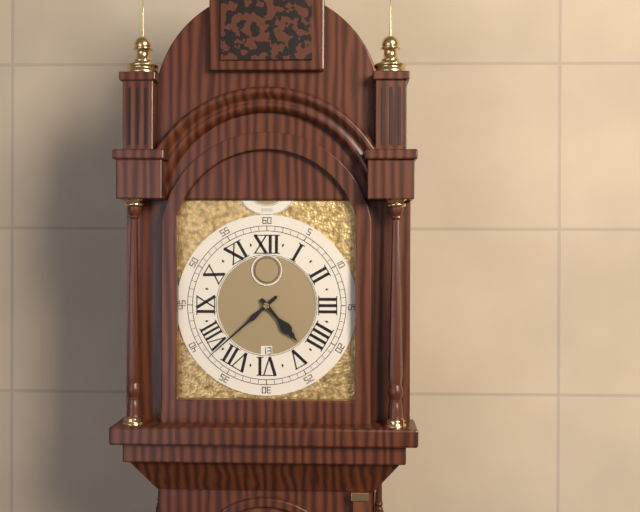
4:38
